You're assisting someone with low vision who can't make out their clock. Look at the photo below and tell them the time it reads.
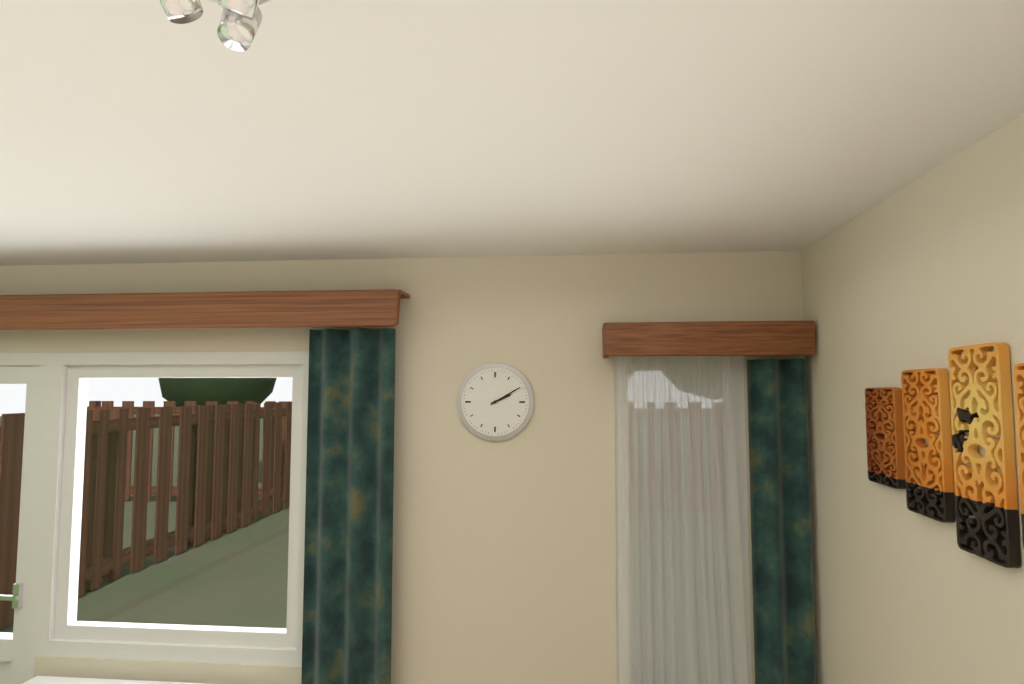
2:10
